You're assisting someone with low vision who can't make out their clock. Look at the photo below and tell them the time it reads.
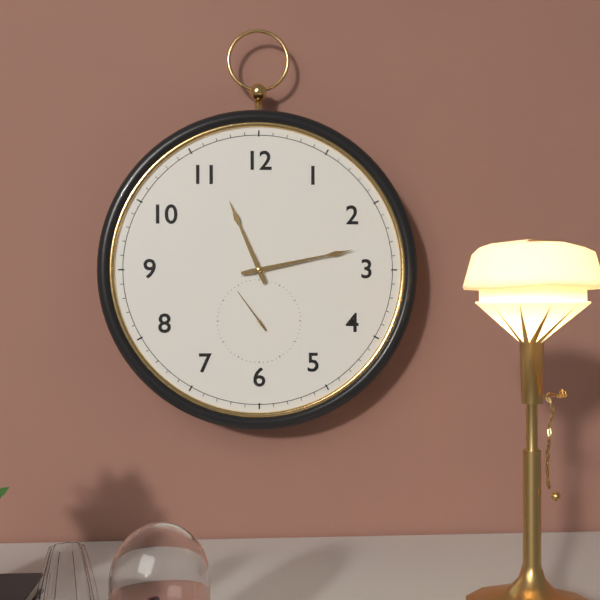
11:13
